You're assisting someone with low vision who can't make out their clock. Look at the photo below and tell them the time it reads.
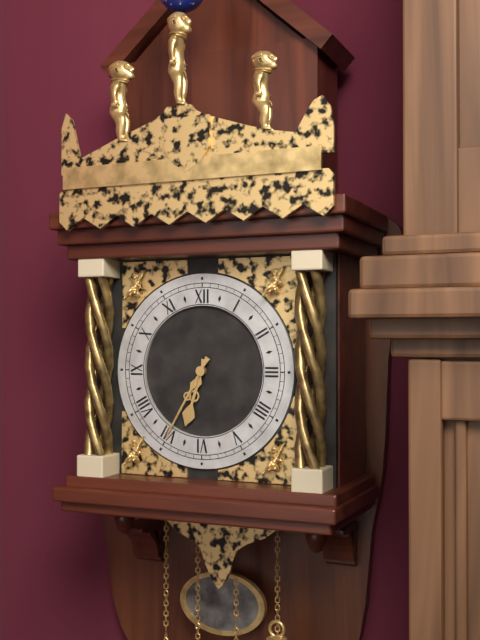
6:35
